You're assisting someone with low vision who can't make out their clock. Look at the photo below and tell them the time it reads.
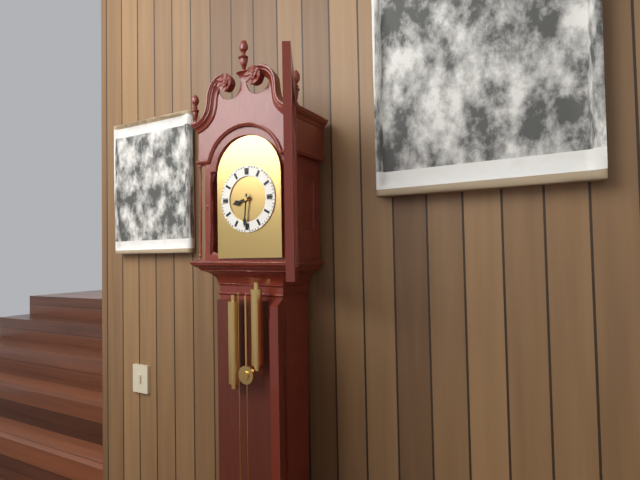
8:31
